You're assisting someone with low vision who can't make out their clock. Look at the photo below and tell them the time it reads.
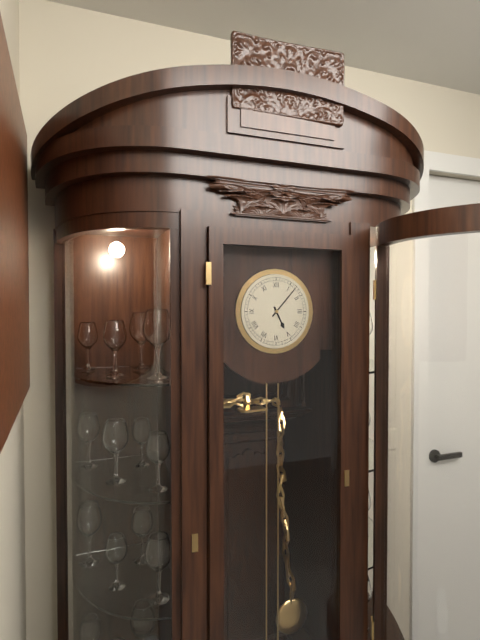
5:07
